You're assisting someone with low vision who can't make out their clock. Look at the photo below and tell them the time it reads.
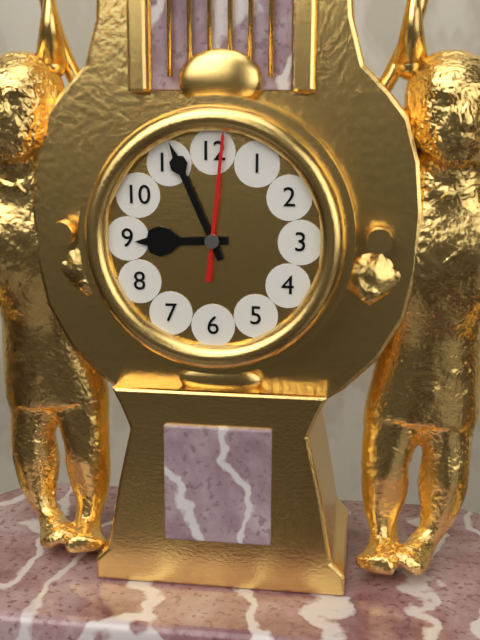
8:56:01
